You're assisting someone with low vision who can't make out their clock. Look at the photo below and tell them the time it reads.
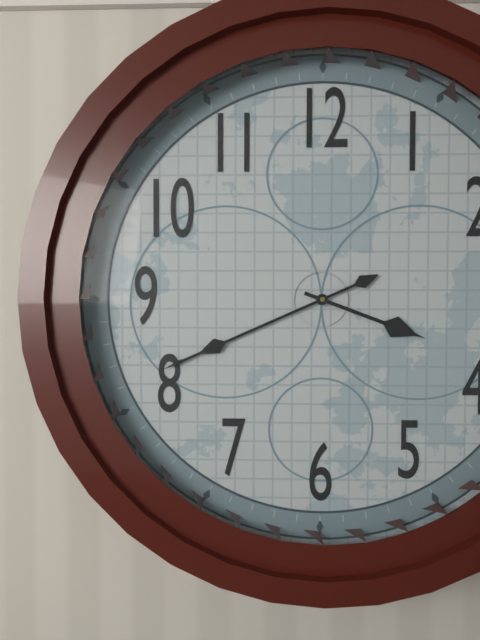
3:41
